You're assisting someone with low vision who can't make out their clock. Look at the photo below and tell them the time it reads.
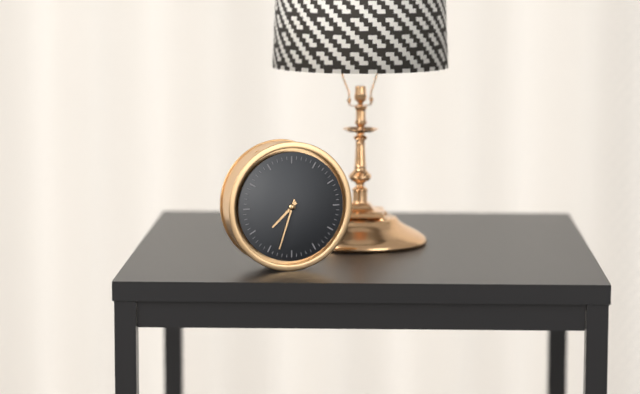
7:33
